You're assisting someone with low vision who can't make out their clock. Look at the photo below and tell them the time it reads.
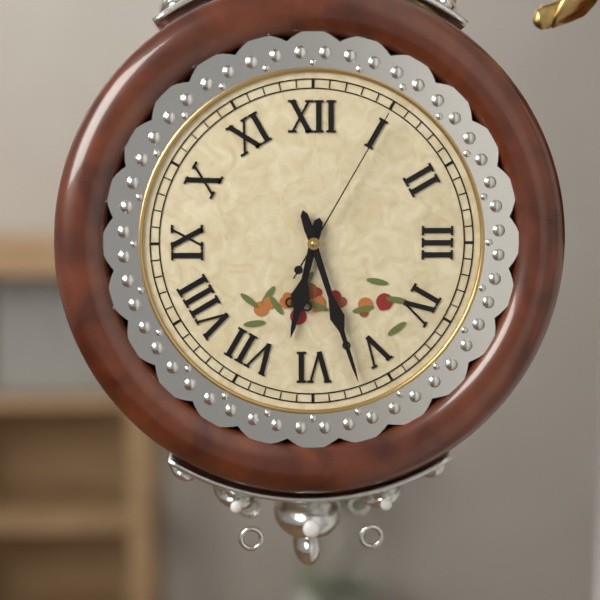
6:27:05
